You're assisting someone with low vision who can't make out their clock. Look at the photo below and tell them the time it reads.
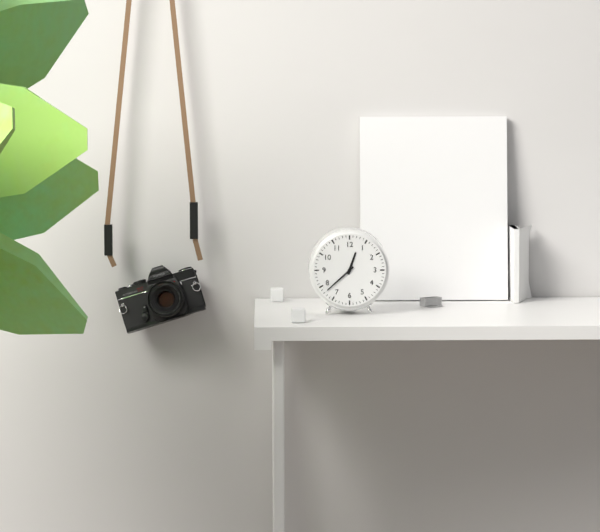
12:38
